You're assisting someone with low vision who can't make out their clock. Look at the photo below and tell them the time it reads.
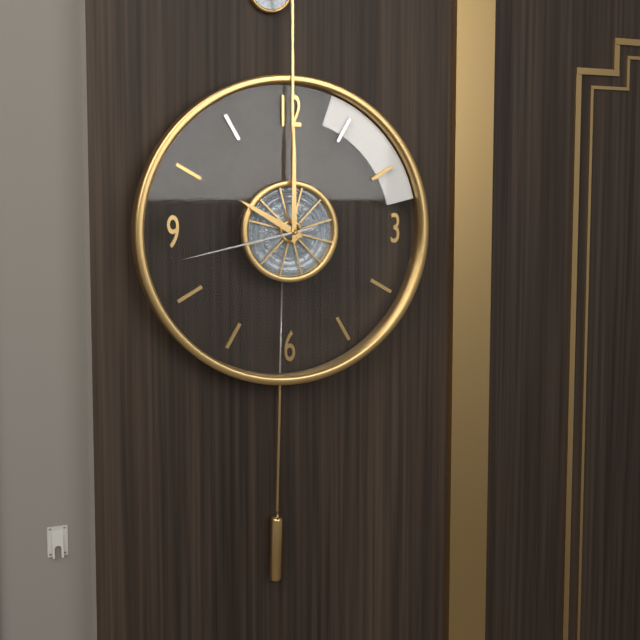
10:00:43
